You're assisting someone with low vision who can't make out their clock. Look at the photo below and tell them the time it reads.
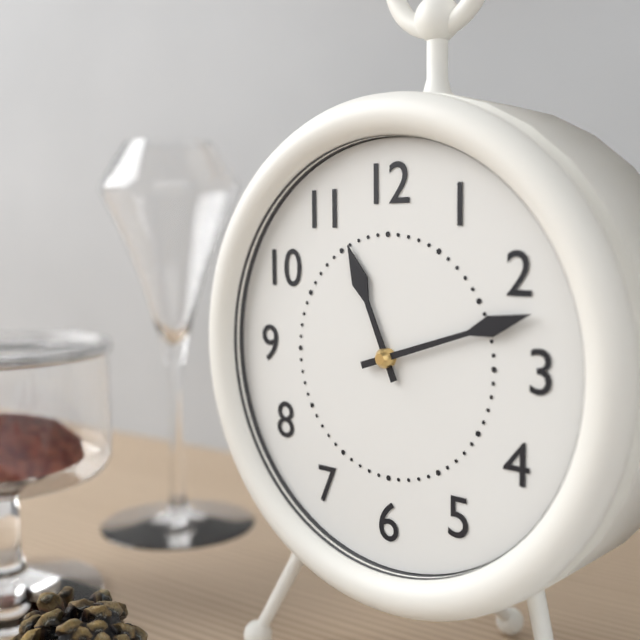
11:12
